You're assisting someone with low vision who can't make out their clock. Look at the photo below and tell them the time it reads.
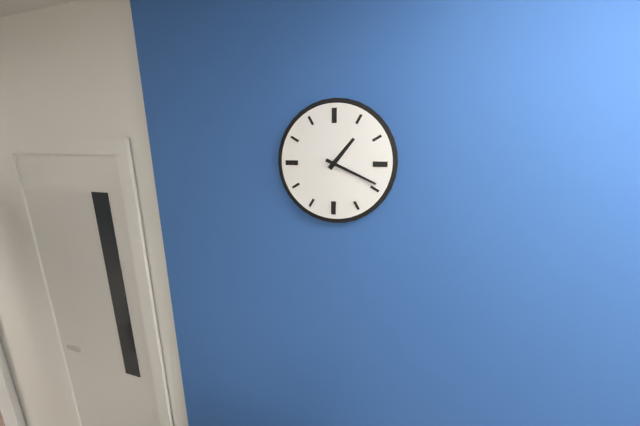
1:19
